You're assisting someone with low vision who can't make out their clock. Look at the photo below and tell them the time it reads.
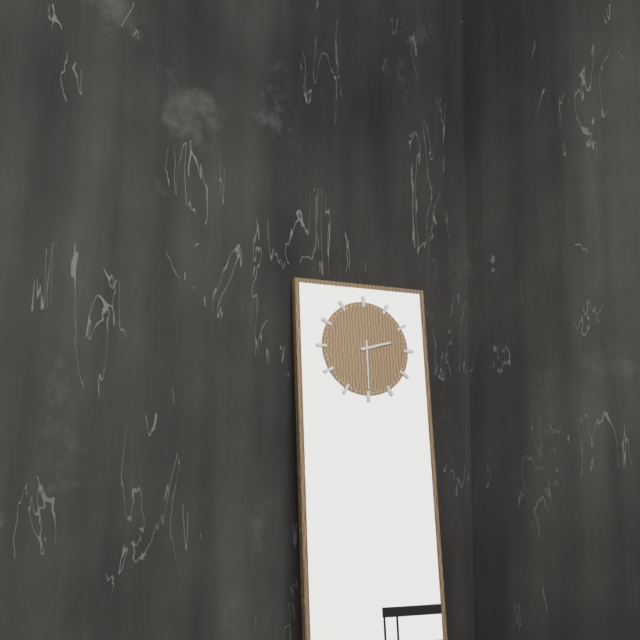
2:30
